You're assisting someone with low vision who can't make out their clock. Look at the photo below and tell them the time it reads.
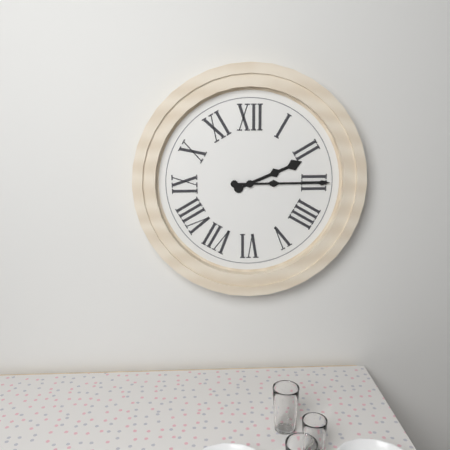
2:15
